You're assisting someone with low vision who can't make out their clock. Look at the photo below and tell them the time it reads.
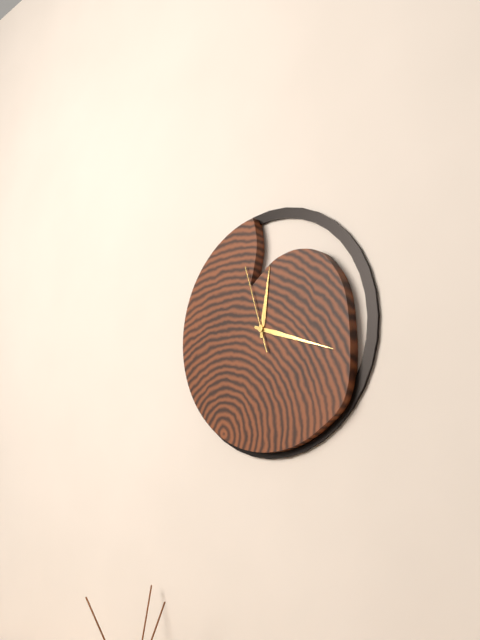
12:18:57
